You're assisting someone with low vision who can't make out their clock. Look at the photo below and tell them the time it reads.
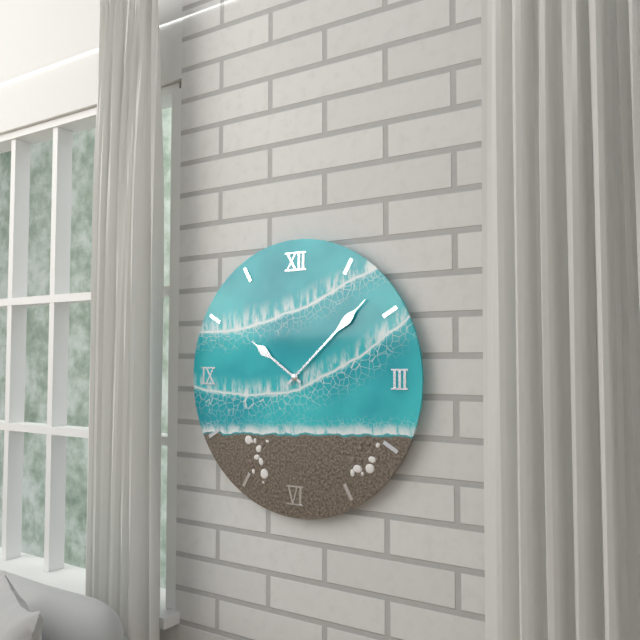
10:08
